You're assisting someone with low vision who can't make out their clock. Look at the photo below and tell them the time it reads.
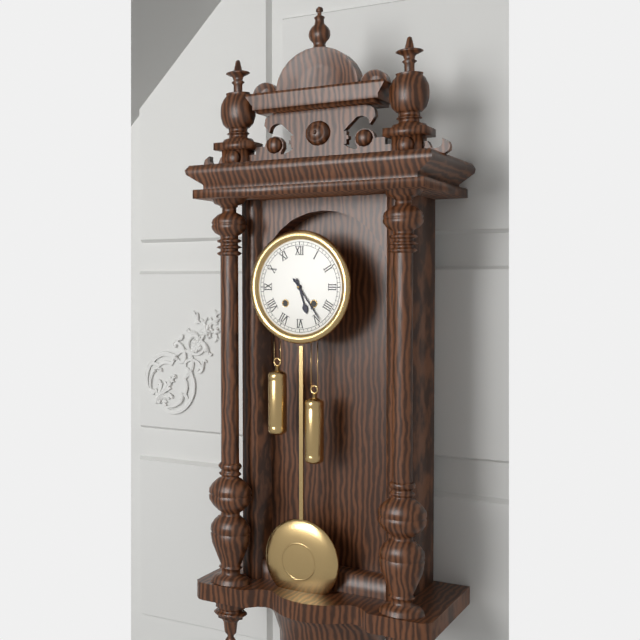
5:24
